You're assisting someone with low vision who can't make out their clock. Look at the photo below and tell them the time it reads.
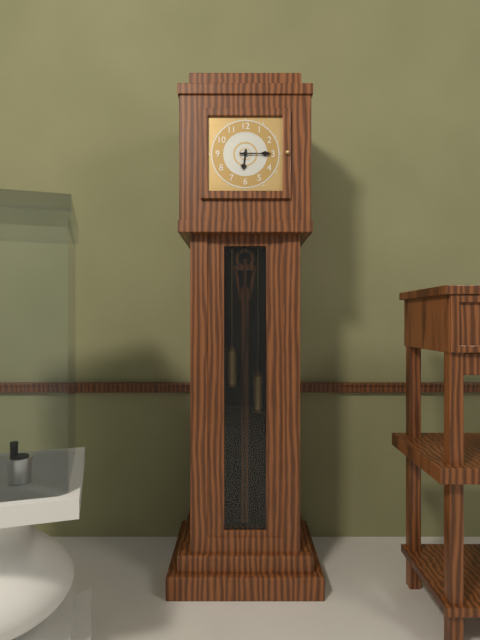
6:15
